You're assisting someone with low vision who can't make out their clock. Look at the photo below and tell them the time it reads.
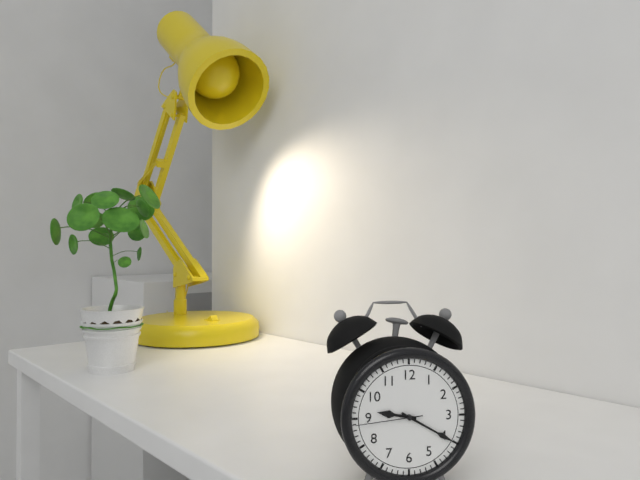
9:20:44
